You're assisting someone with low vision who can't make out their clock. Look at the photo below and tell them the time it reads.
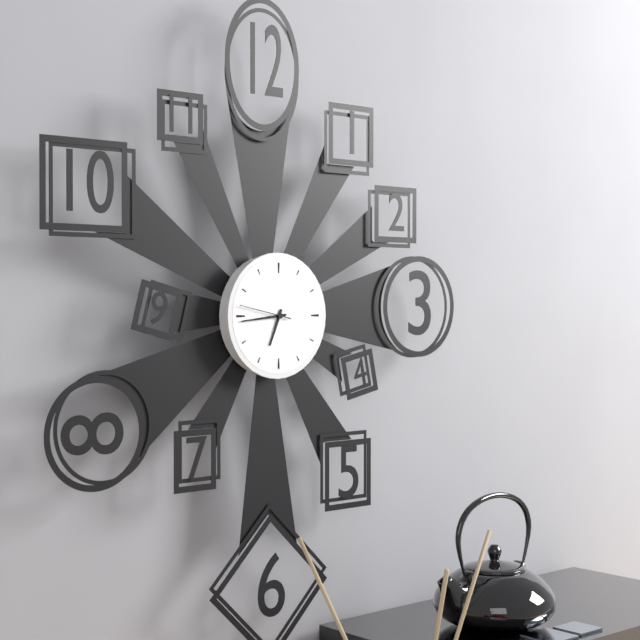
6:44:47
